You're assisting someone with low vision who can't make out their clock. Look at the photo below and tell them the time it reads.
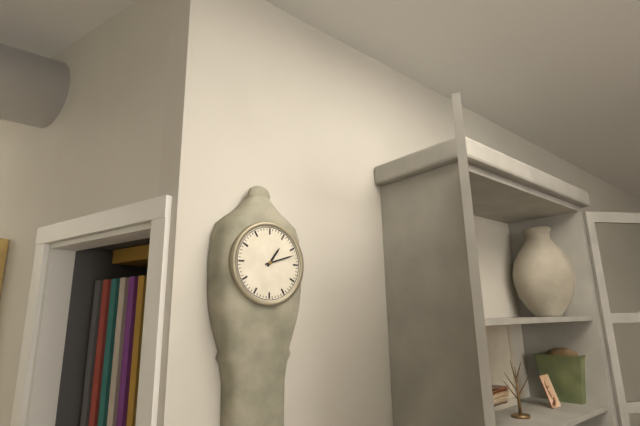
1:12
